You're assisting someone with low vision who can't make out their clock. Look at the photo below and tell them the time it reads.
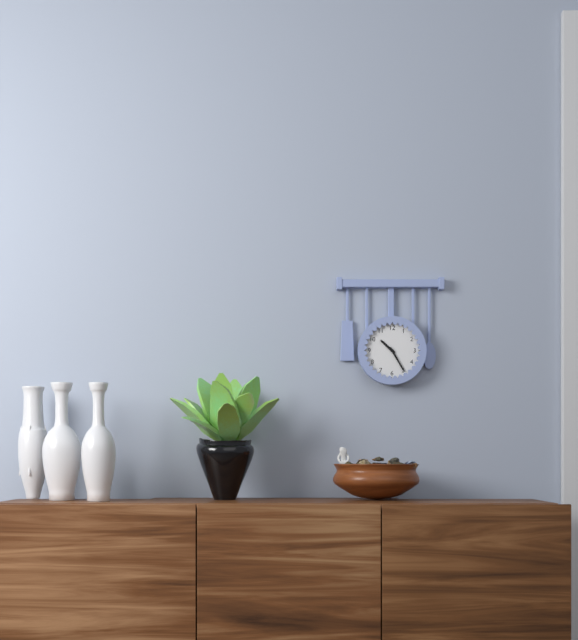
10:25
